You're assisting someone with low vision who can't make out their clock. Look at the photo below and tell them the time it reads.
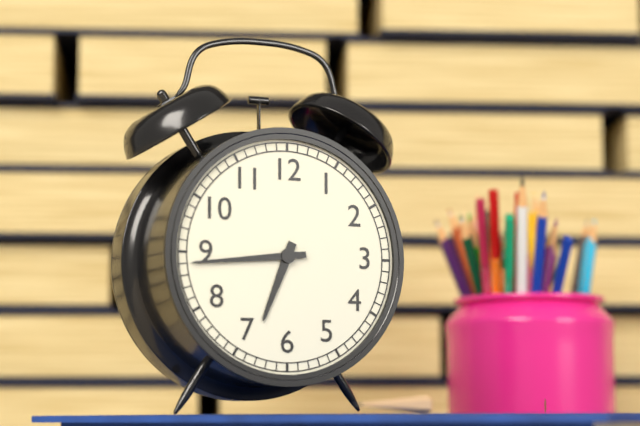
6:44
